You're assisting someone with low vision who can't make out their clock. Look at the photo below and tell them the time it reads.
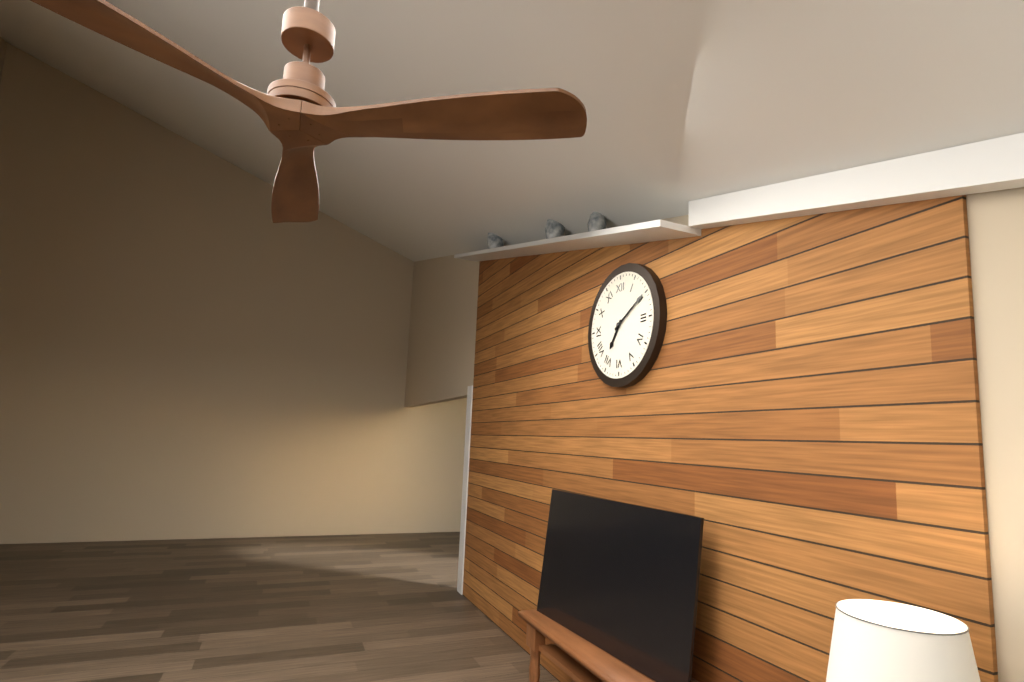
7:10
